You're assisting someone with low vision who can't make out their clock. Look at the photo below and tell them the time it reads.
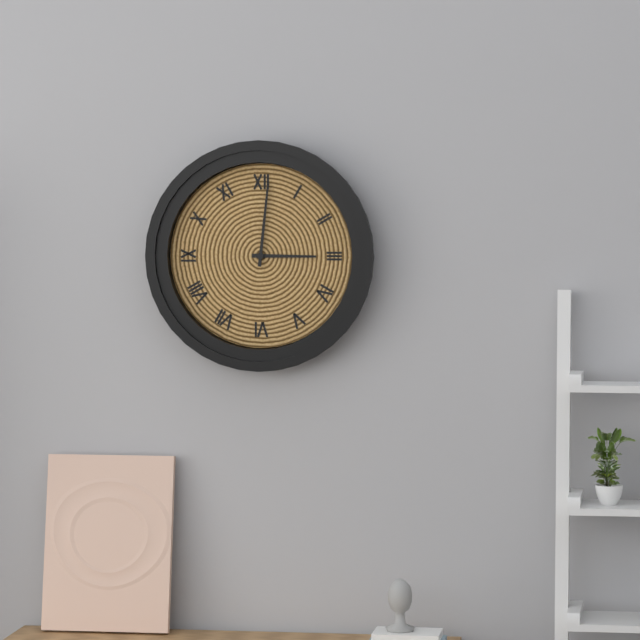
3:01
